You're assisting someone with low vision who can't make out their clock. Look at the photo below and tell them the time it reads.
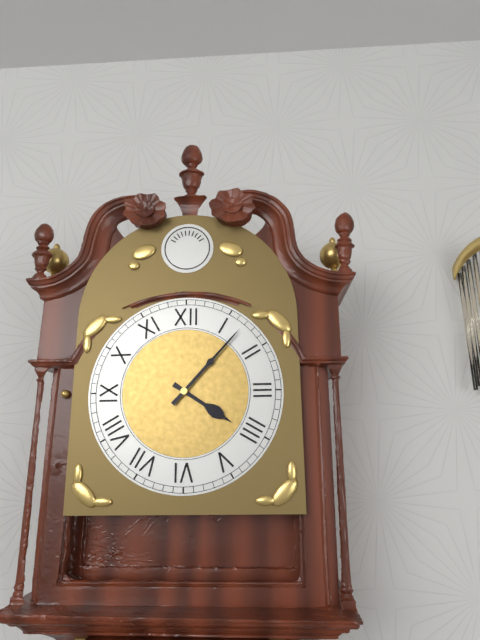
4:07
